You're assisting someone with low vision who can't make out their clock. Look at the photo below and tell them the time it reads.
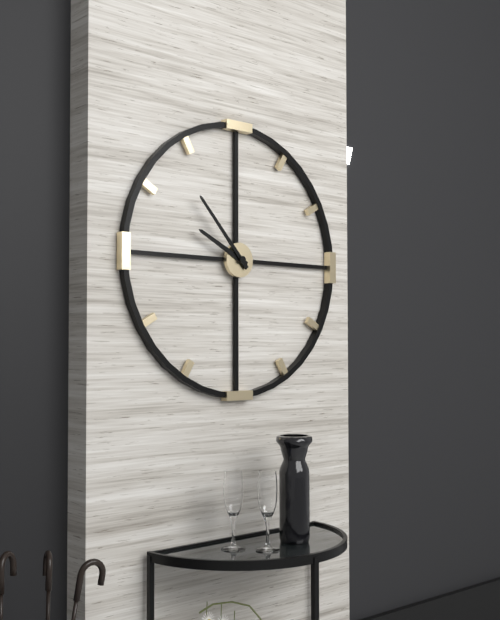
9:53
